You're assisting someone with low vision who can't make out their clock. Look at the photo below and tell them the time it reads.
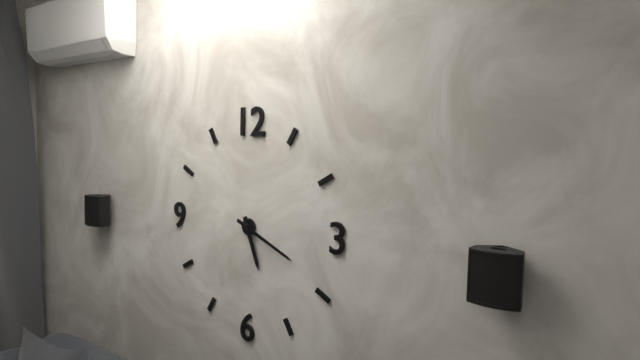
5:19
